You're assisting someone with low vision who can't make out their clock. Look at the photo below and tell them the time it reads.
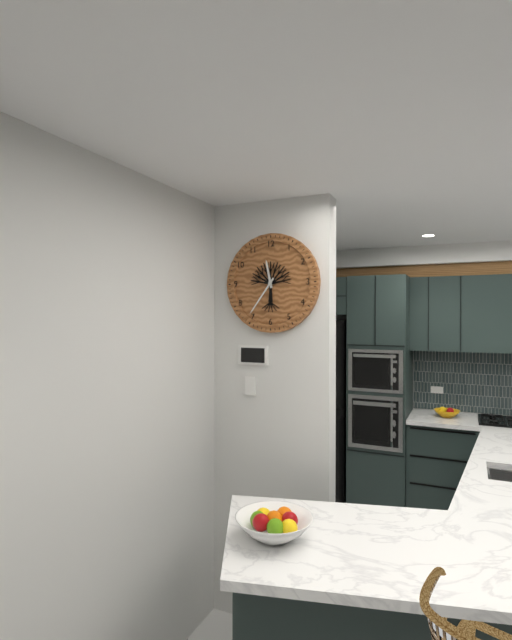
11:36
